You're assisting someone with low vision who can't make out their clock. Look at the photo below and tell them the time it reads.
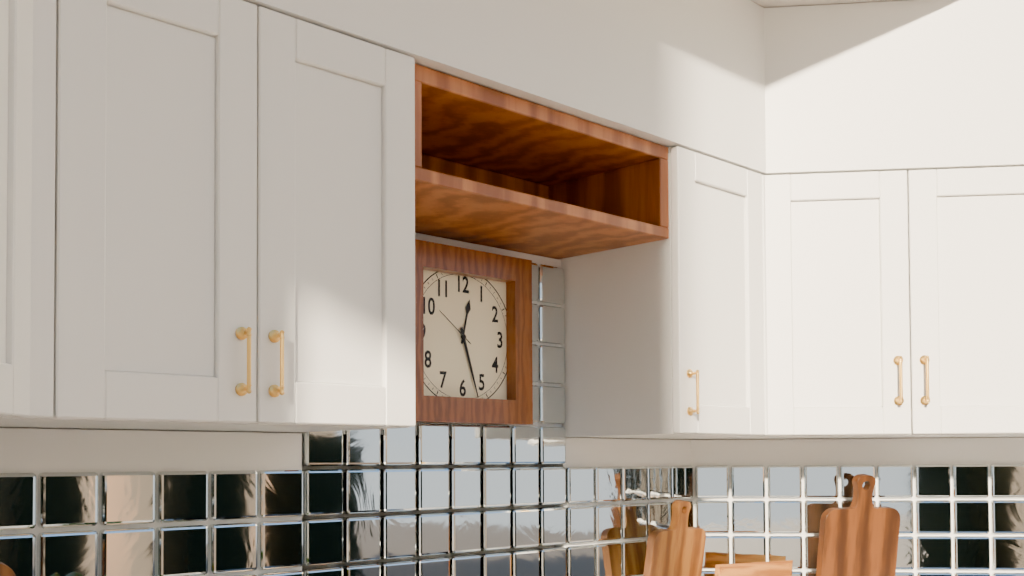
12:27
